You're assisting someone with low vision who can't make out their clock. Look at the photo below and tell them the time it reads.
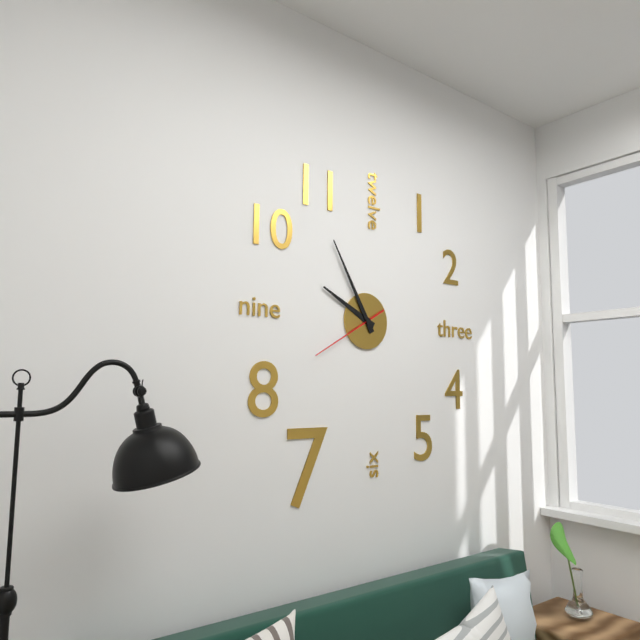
9:55:40
